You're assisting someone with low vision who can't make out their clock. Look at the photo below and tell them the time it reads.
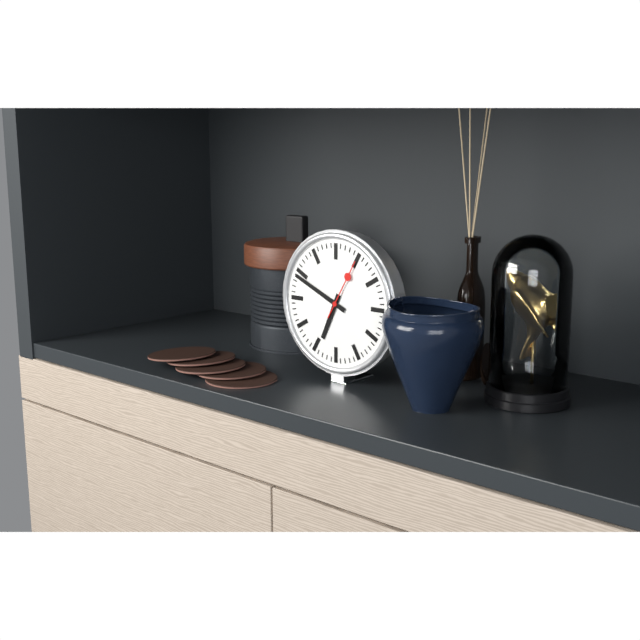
6:49:05
